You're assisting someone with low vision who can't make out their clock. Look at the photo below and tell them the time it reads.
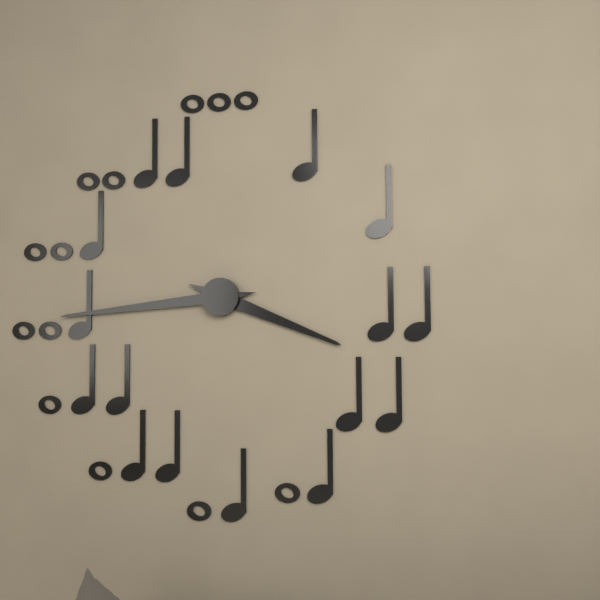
3:44
